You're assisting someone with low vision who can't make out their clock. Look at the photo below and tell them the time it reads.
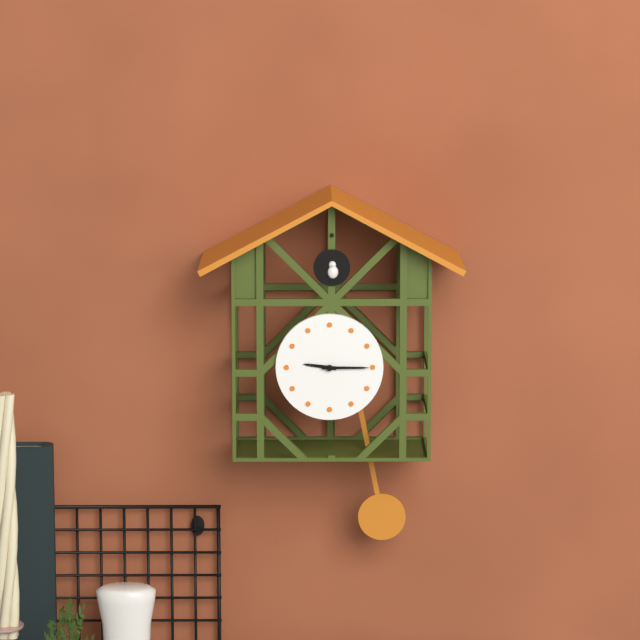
9:15
